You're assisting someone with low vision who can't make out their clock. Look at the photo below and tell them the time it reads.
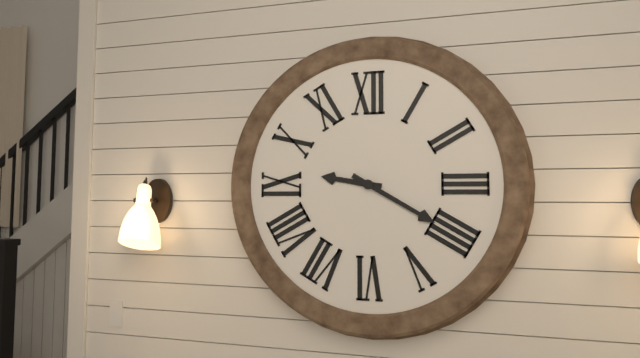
9:20
